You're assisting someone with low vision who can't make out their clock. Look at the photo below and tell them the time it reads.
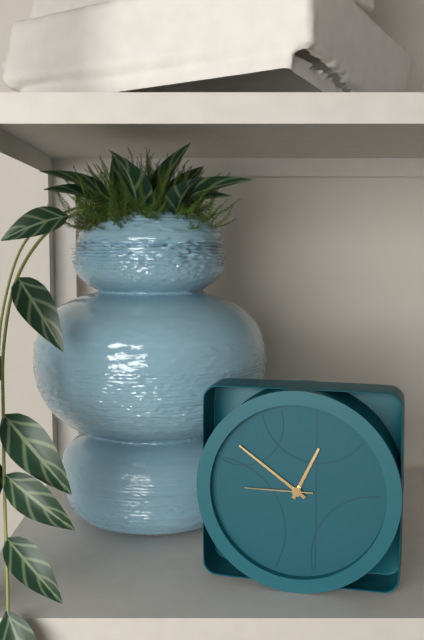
12:51:45
